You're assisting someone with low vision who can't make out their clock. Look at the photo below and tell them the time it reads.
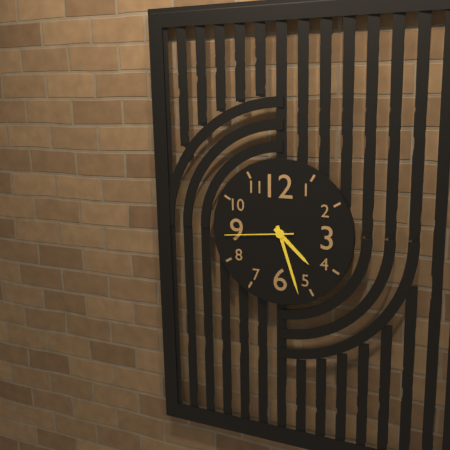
4:27:44
